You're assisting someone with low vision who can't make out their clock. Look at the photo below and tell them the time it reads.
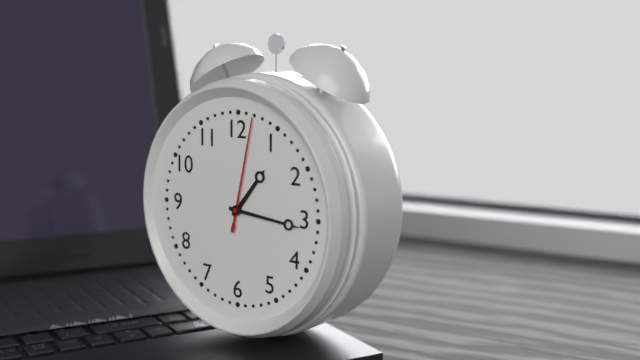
1:16:02
